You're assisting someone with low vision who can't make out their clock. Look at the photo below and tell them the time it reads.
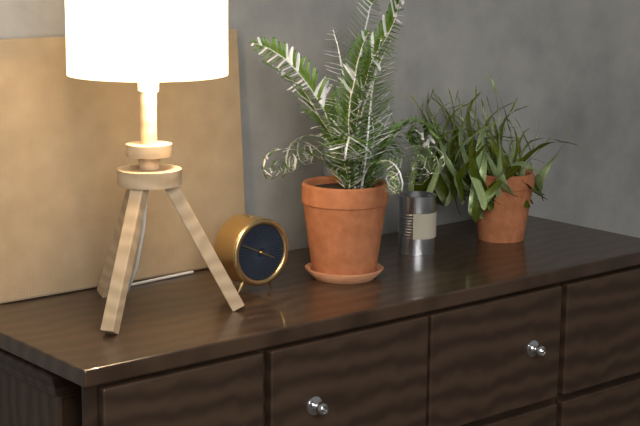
3:49
